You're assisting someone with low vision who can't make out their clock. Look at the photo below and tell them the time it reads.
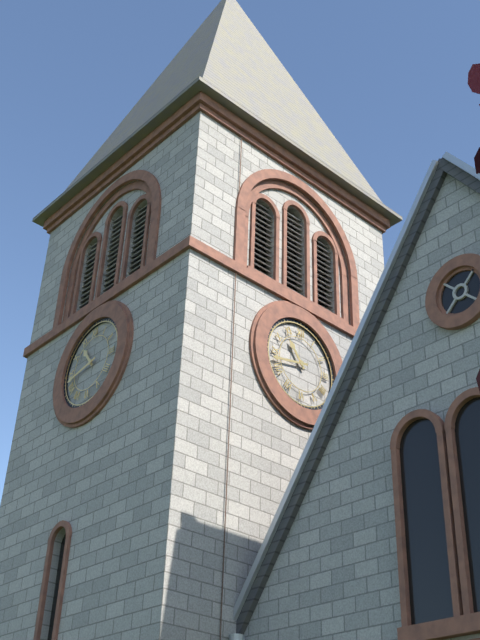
10:43
